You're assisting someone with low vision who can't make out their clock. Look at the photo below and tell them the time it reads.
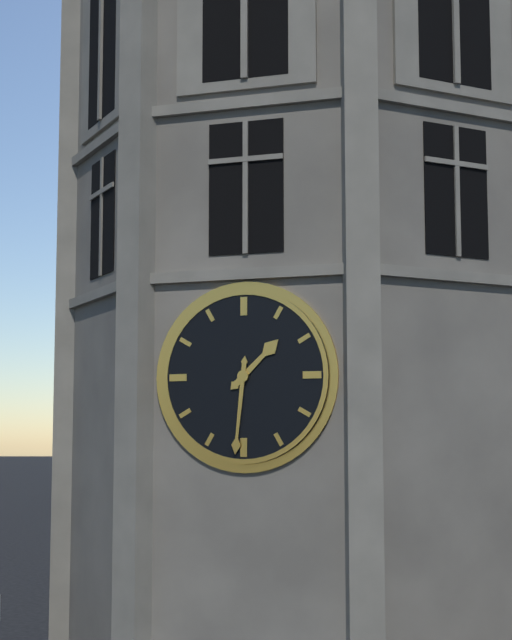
1:31
